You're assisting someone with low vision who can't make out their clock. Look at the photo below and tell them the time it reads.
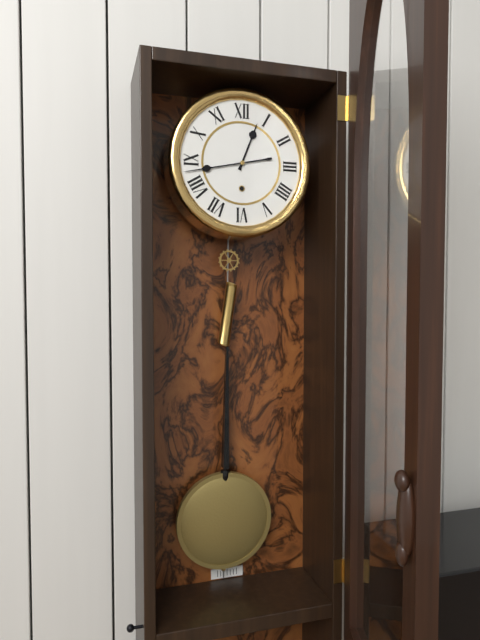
12:43
